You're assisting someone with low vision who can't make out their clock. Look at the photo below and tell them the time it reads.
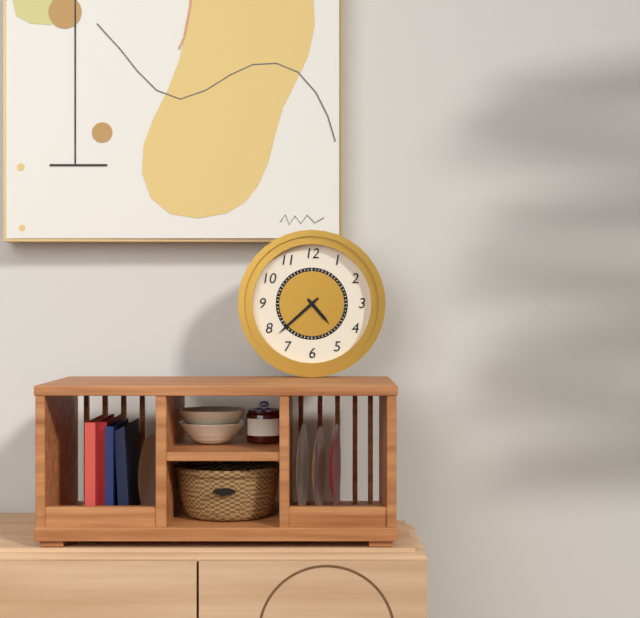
4:38
